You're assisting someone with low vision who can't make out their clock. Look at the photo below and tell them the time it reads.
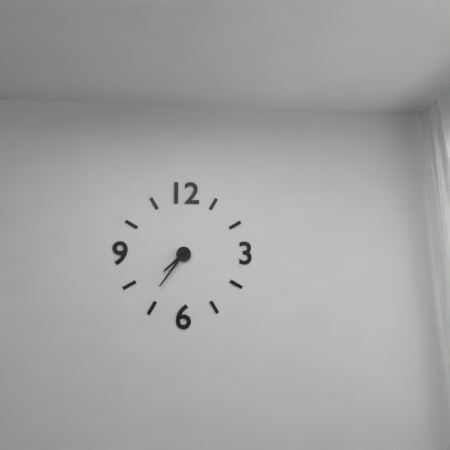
7:36
